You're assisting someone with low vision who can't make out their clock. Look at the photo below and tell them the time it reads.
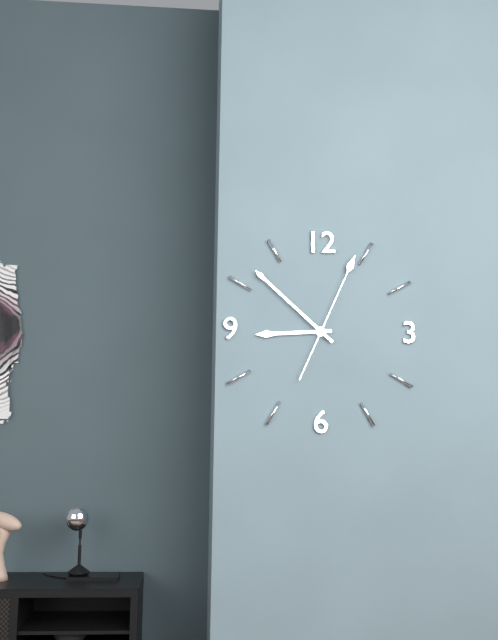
8:52:04
